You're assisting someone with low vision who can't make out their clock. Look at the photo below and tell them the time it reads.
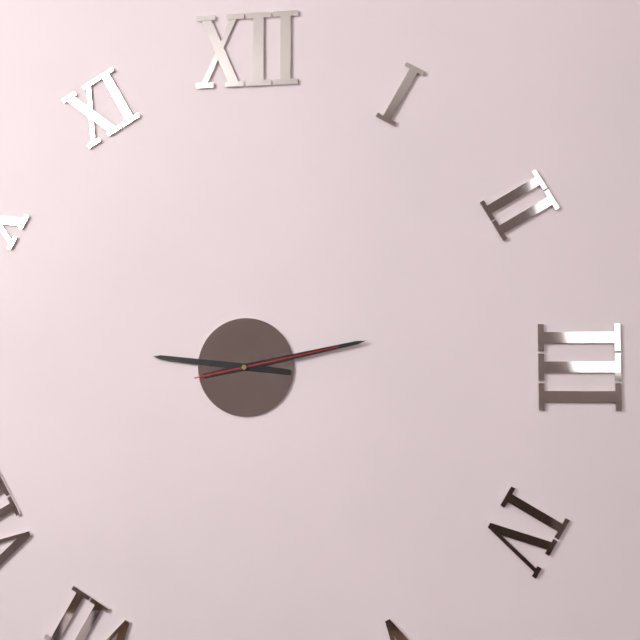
9:13:13
